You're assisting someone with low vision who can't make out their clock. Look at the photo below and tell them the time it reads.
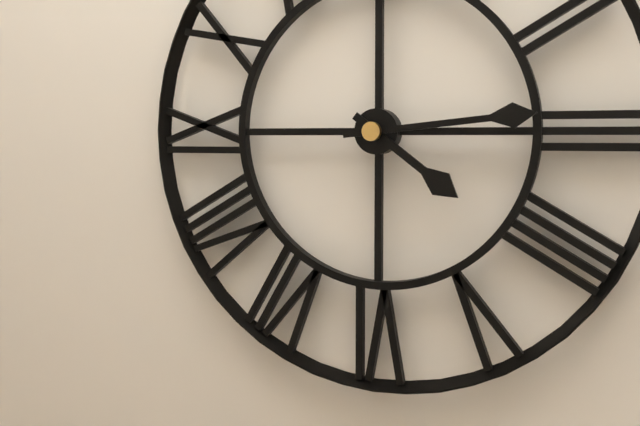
4:14
